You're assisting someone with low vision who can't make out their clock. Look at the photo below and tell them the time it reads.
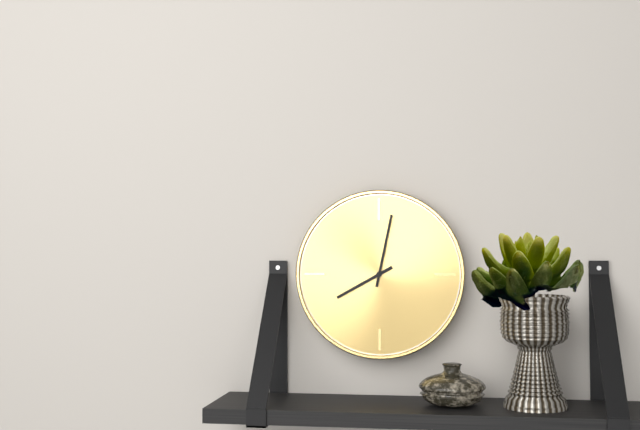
8:02
